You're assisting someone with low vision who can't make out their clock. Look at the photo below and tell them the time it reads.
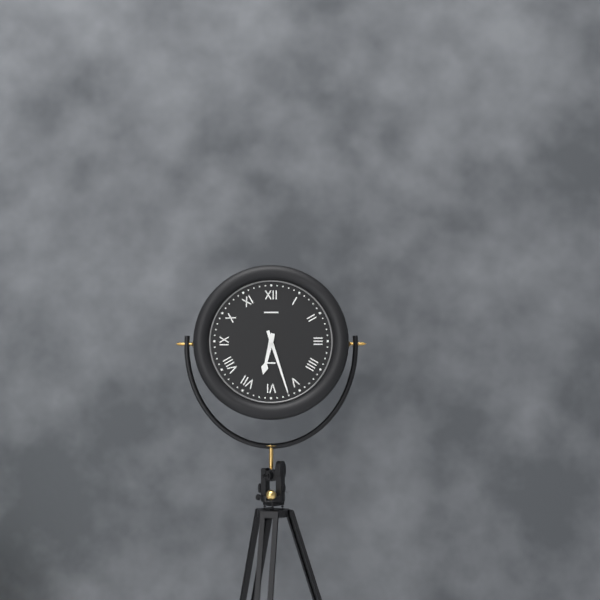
6:27
